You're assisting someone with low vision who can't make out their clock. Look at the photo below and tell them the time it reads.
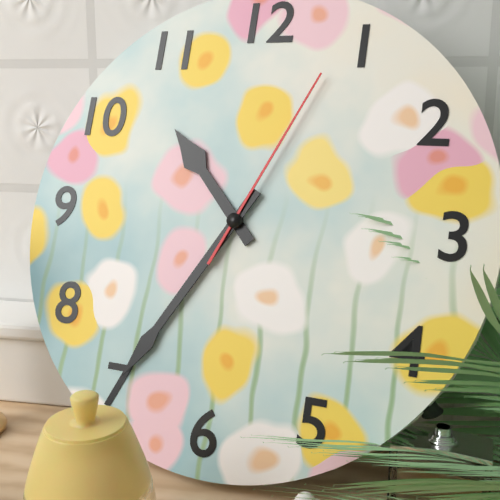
10:35:04
